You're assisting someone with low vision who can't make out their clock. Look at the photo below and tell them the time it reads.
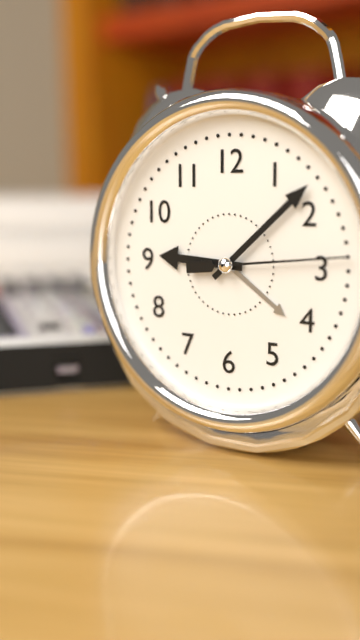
9:08:14
